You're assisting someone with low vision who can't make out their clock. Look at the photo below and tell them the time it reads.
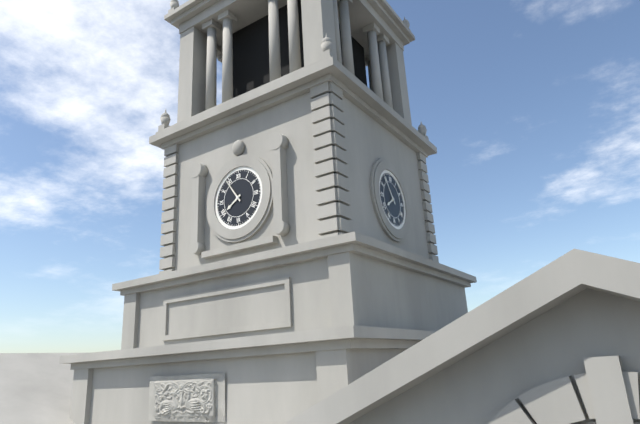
7:54
